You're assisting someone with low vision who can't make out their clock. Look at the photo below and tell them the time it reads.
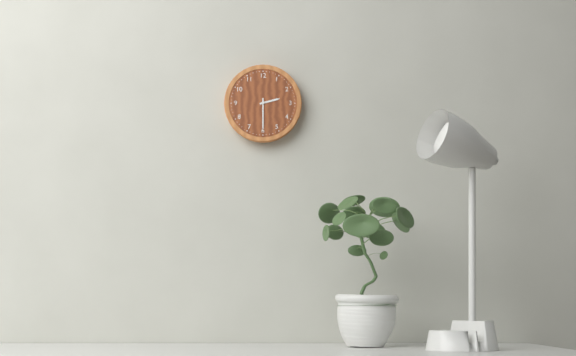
2:30
